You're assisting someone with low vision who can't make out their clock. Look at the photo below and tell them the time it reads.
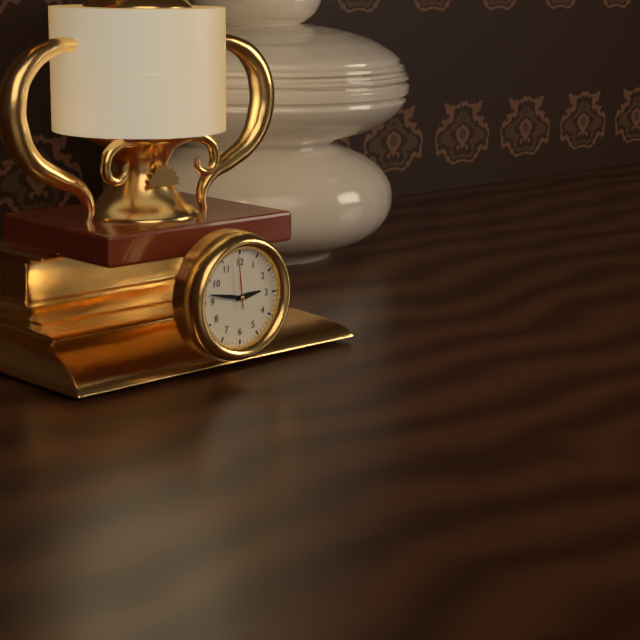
2:47:59
